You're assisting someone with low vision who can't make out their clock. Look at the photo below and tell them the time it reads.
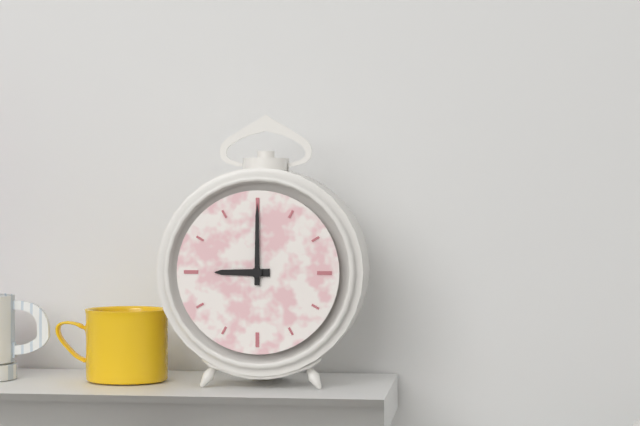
9:00
